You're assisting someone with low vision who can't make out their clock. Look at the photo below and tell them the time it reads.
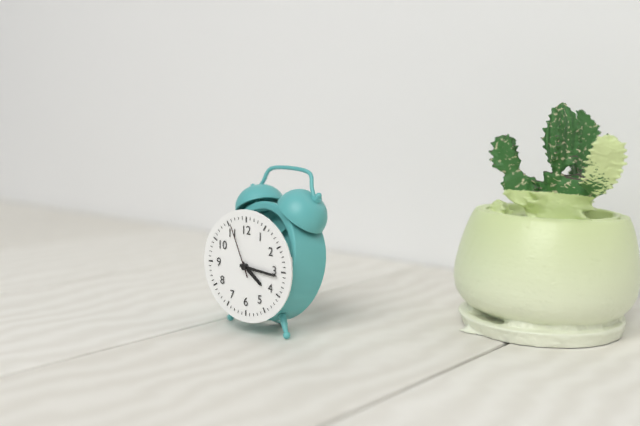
4:16:56
